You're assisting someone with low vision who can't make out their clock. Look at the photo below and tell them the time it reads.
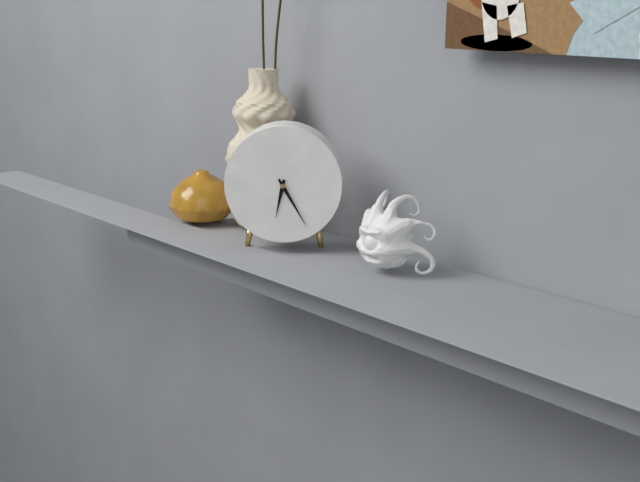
6:25
